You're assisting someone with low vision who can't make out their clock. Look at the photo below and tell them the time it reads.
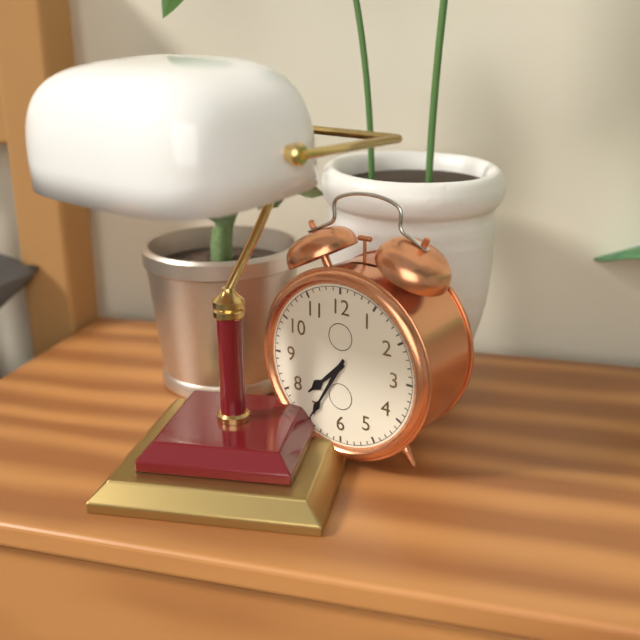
7:35
